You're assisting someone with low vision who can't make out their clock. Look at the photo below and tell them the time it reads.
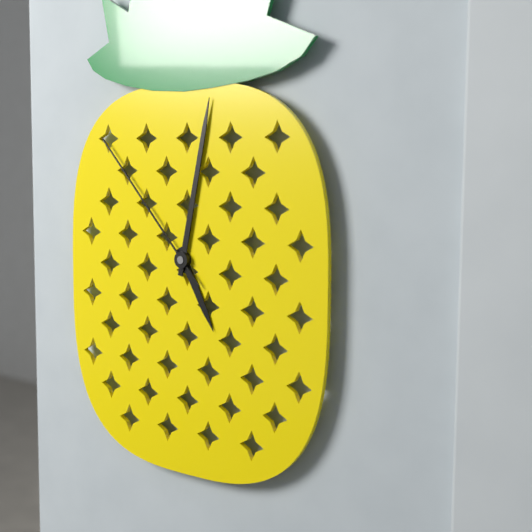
5:02:53
